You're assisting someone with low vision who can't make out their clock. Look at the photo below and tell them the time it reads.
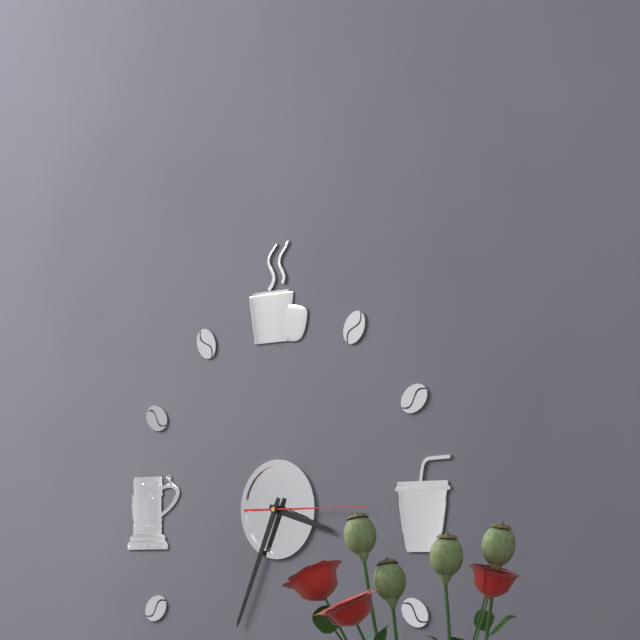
3:34:15
